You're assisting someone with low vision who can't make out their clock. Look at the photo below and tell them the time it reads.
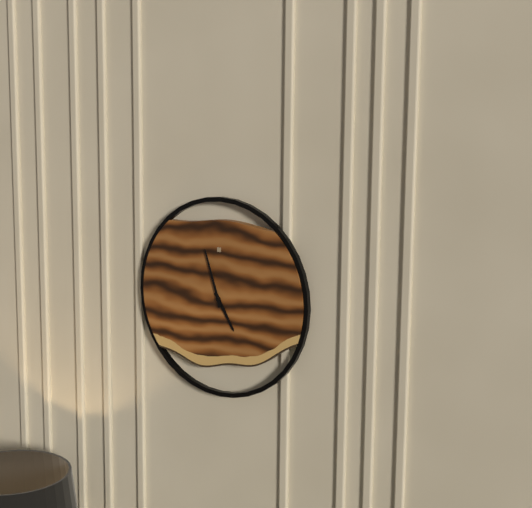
4:57
